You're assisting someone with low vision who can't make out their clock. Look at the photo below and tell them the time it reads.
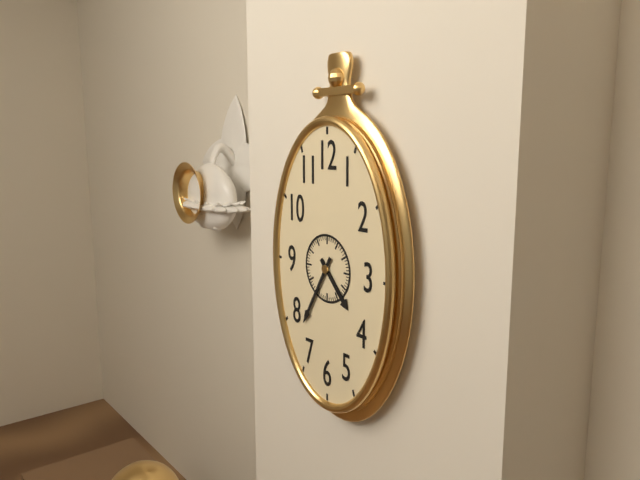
4:35
